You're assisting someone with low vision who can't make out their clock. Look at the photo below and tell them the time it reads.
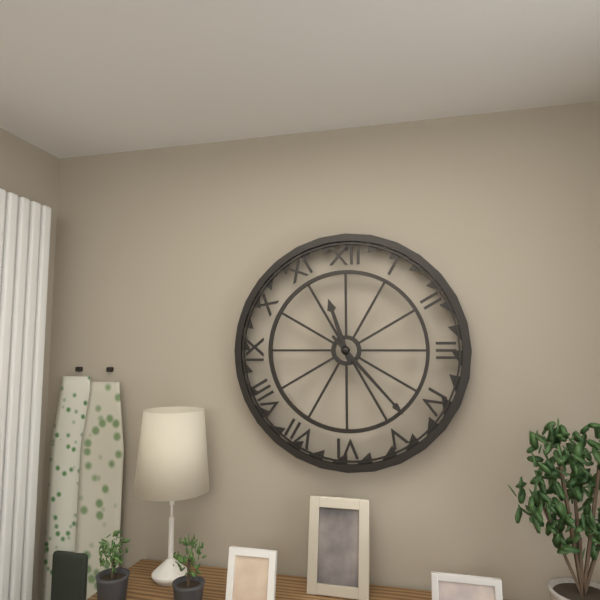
11:23
